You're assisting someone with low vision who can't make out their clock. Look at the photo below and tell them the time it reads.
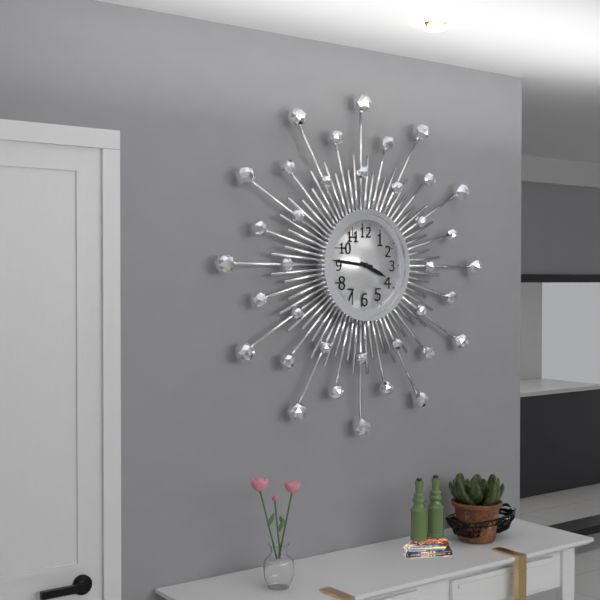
3:46
